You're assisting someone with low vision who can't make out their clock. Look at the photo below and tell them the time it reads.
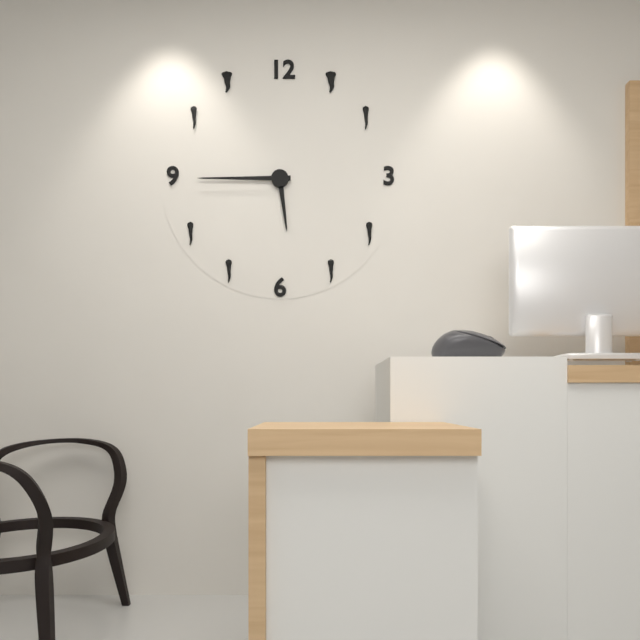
5:45
